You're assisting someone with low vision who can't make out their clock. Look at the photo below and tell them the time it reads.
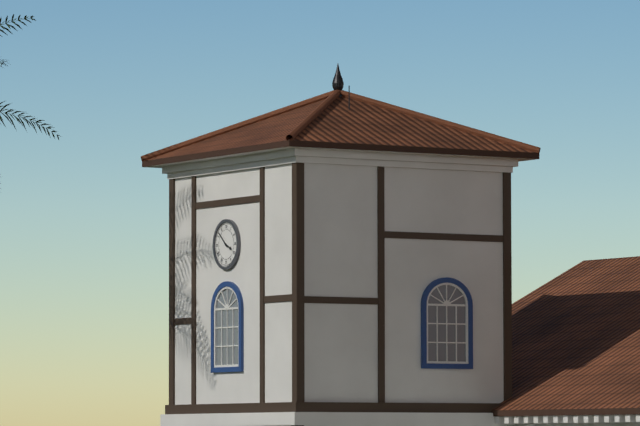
3:52
